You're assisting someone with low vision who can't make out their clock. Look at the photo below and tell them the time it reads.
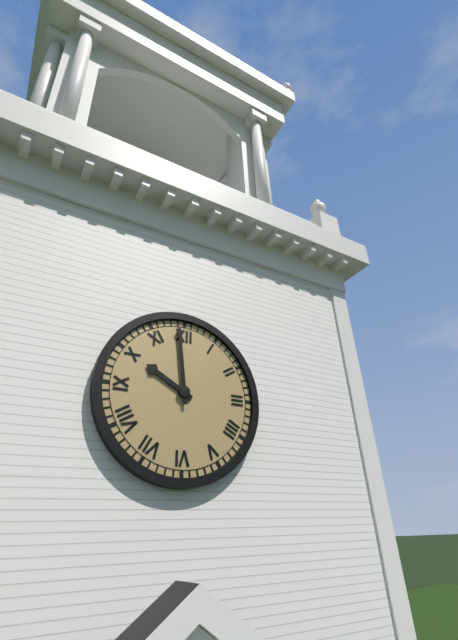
9:59
